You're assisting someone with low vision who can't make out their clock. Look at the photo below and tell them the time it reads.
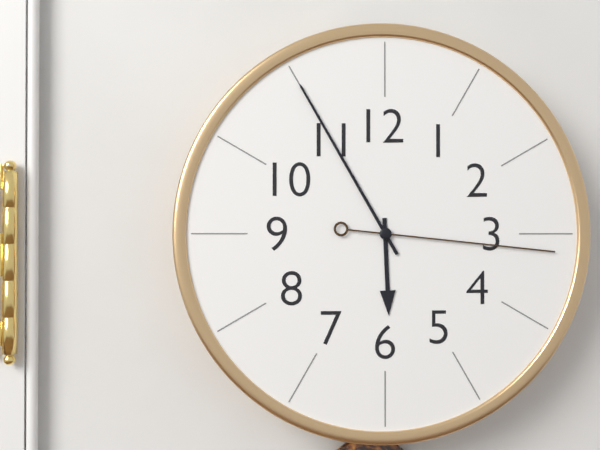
5:55:16
